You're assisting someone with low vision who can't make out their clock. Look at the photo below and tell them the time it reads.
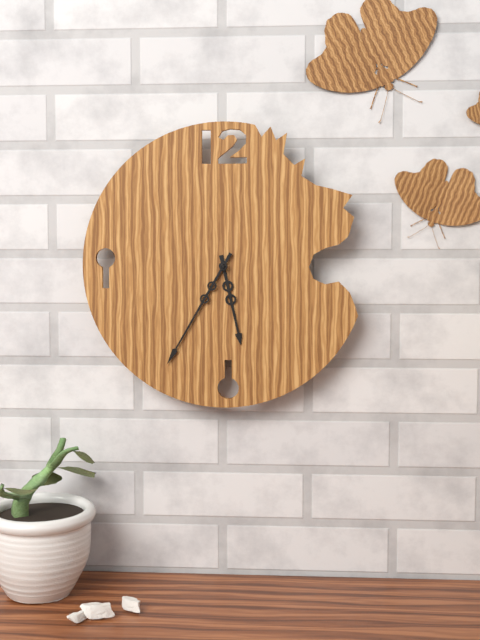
5:35
